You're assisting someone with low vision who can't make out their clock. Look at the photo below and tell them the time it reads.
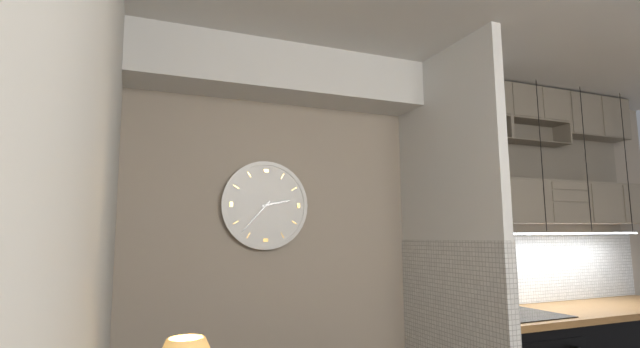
2:37
